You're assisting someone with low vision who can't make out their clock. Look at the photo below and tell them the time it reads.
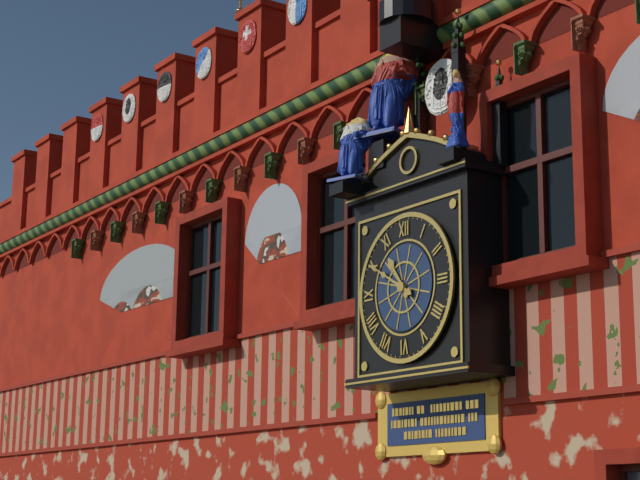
10:50
